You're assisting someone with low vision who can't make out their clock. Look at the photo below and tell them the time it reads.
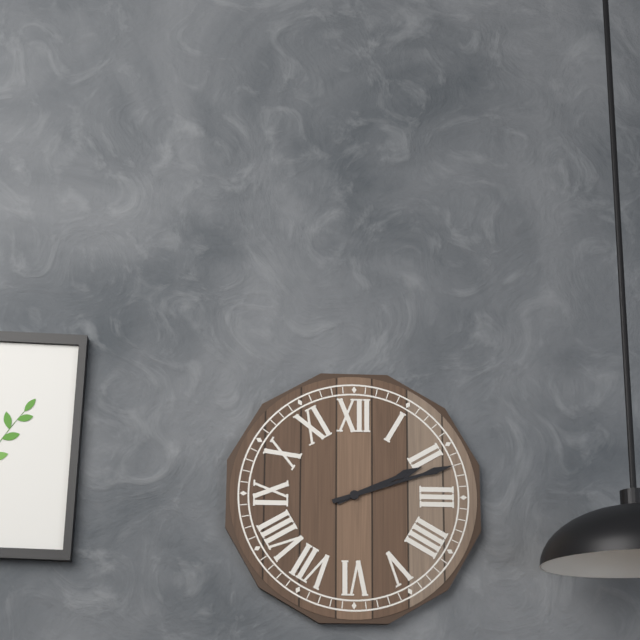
2:12
